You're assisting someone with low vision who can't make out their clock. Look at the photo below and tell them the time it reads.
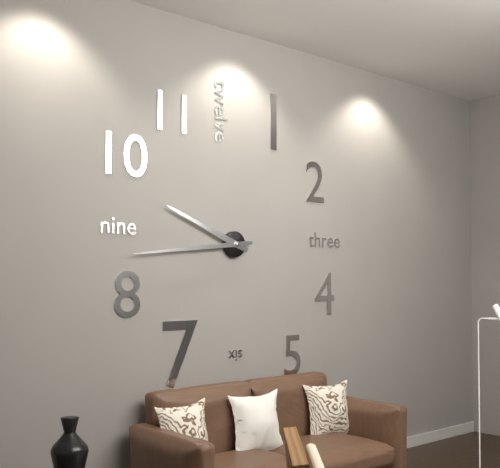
9:44
